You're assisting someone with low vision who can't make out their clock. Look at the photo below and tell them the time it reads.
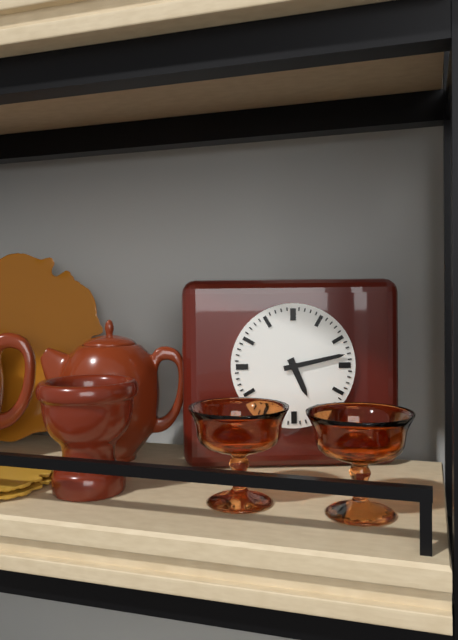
5:13
